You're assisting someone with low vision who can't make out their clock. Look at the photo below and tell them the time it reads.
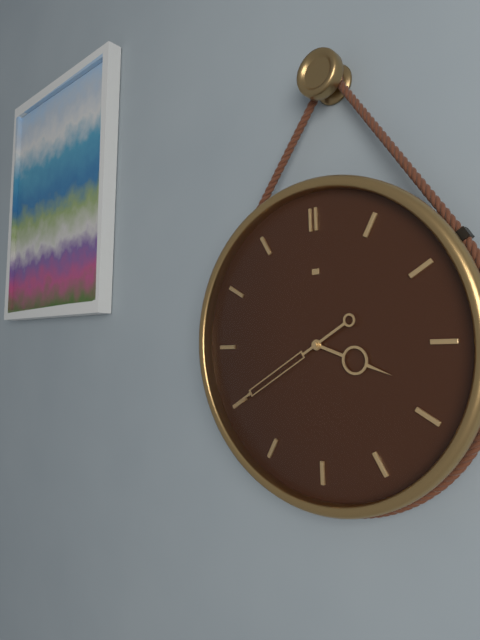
3:40
